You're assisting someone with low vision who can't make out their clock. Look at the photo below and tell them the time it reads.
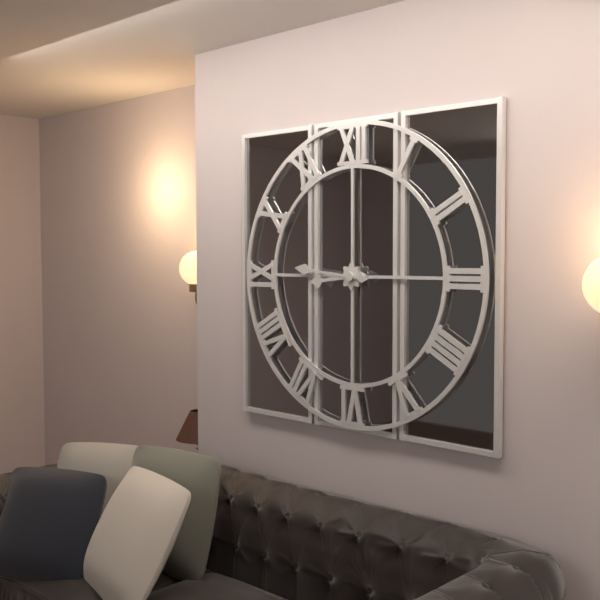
8:46
